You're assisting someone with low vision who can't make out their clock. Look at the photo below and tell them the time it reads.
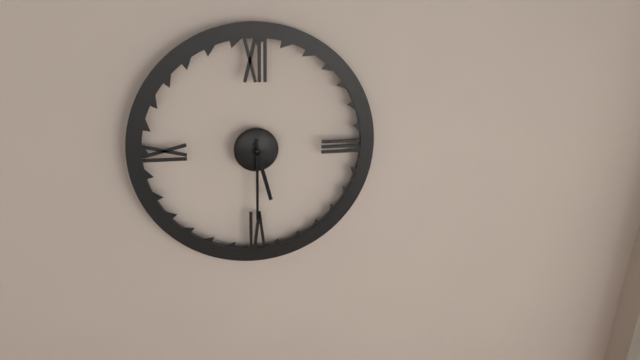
5:30
